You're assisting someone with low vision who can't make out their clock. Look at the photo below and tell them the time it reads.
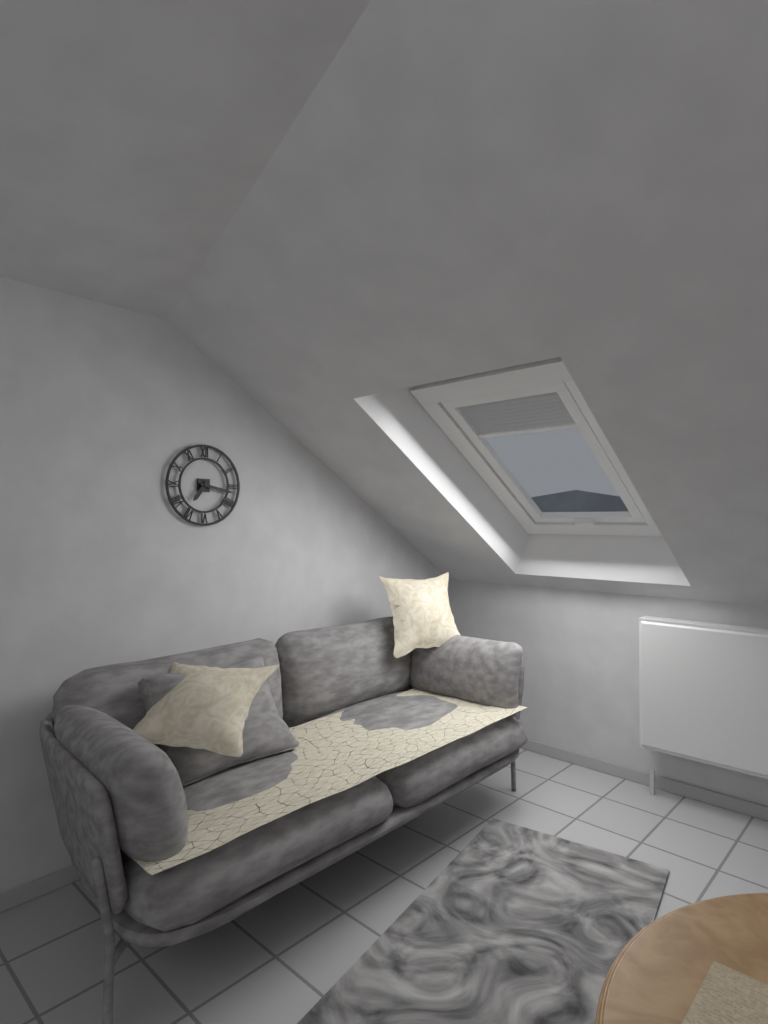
7:17
